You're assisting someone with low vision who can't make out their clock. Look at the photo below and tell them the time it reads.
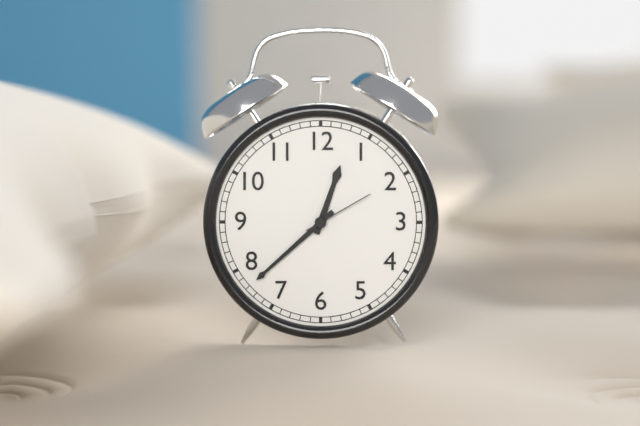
12:38:10
